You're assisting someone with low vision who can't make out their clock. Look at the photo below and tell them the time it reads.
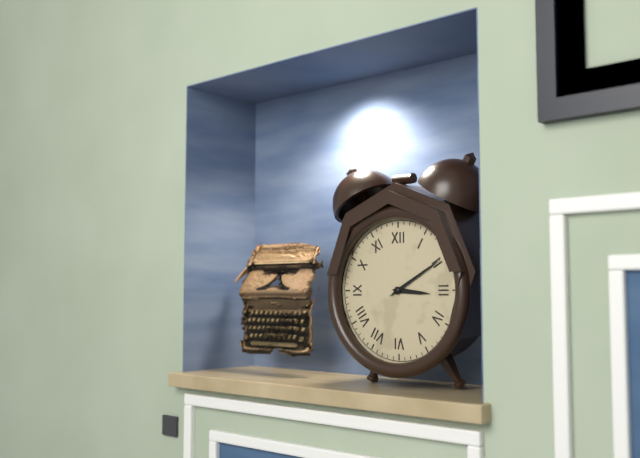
3:10
